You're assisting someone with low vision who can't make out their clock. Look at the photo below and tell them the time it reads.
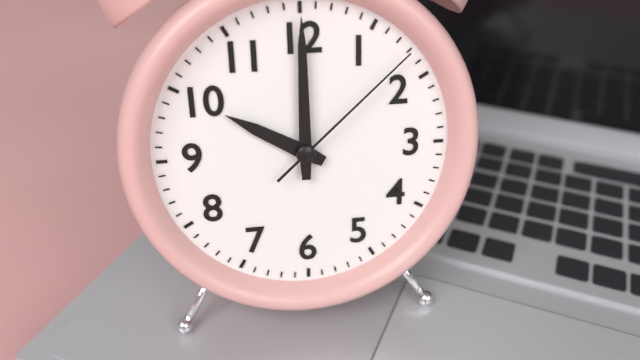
10:00:08
